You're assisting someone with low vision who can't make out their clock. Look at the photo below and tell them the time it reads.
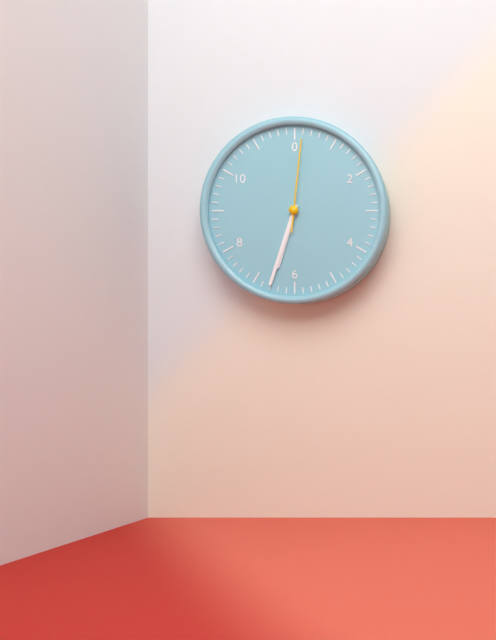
6:33:01
